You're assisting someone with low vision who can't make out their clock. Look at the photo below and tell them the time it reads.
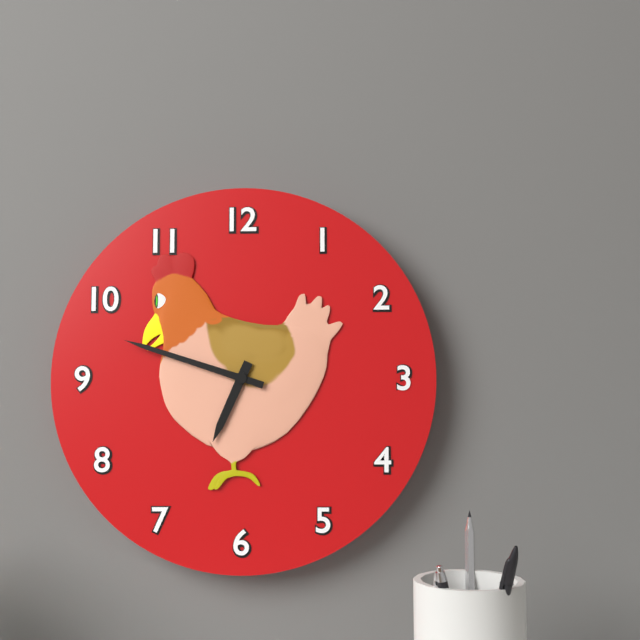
6:48
